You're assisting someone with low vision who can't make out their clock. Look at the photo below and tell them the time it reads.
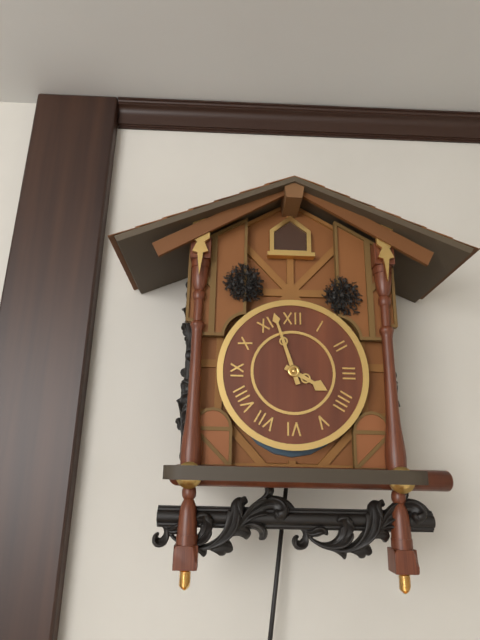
3:57
